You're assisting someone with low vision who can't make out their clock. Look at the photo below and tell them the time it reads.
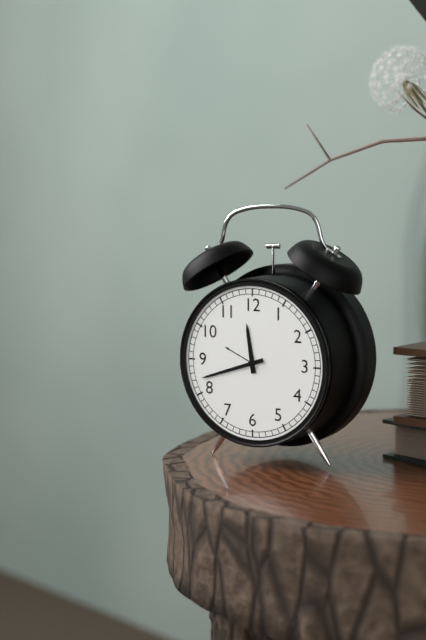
11:42
